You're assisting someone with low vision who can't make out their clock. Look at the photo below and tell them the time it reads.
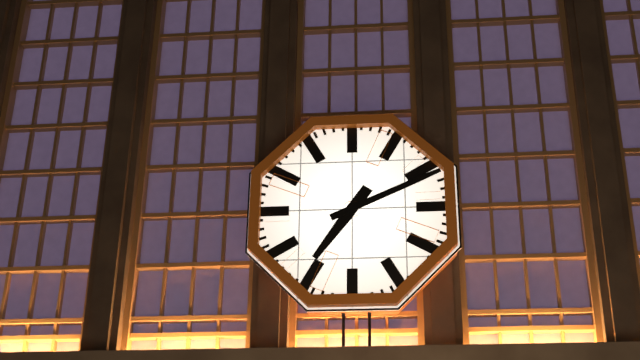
7:11
